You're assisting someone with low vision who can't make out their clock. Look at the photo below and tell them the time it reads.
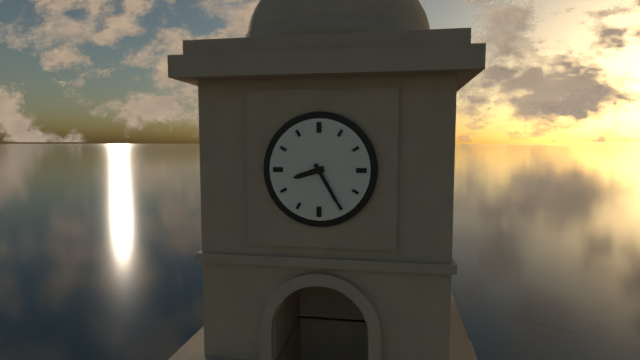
8:25
